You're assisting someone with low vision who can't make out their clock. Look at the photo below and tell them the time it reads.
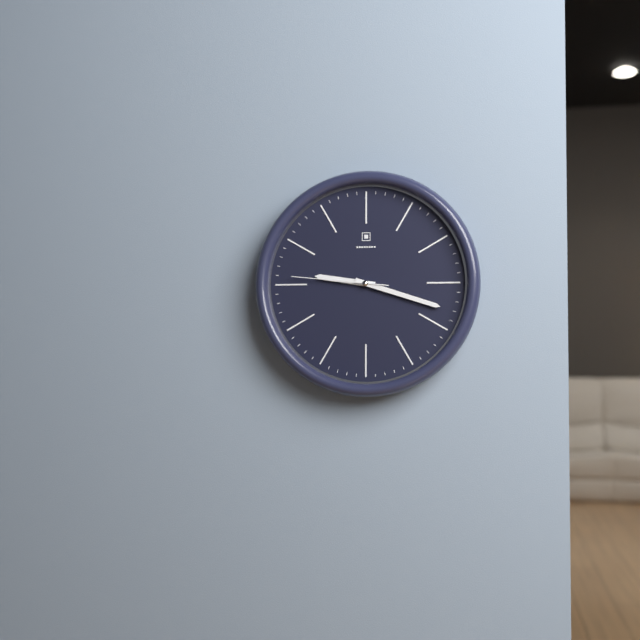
9:18:46
